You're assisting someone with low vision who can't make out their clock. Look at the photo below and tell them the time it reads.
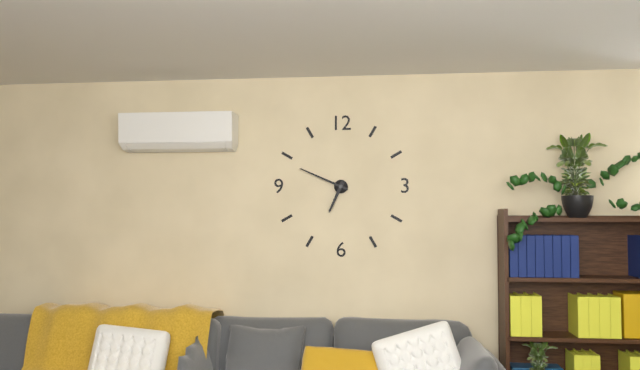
6:49
